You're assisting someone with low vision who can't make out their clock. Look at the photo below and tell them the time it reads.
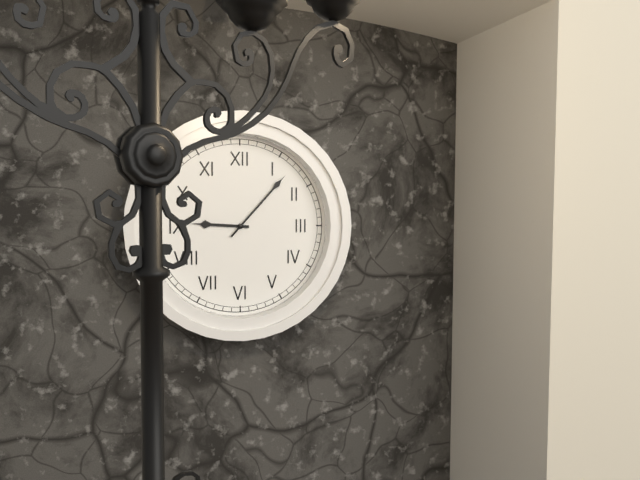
9:07
